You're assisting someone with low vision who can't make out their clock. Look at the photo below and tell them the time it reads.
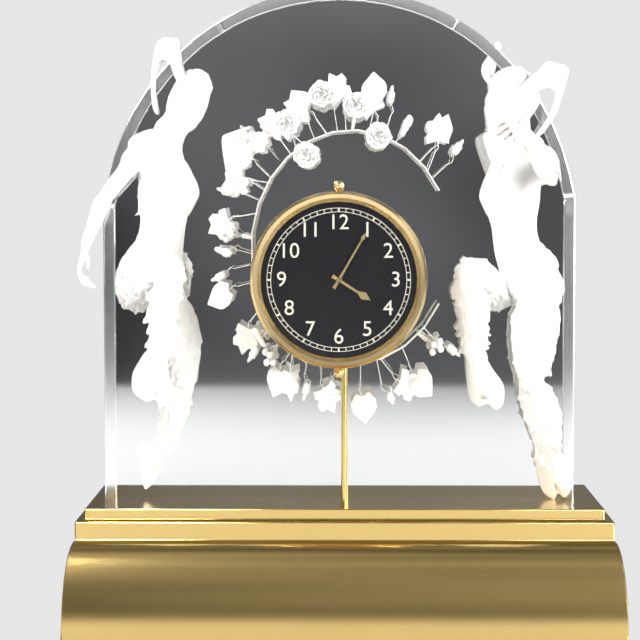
4:05
